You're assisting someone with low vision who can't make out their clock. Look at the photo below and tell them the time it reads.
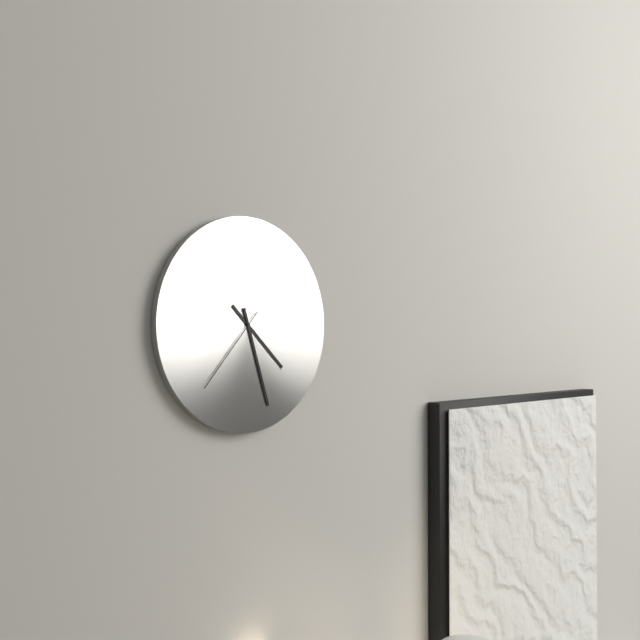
4:27:37
